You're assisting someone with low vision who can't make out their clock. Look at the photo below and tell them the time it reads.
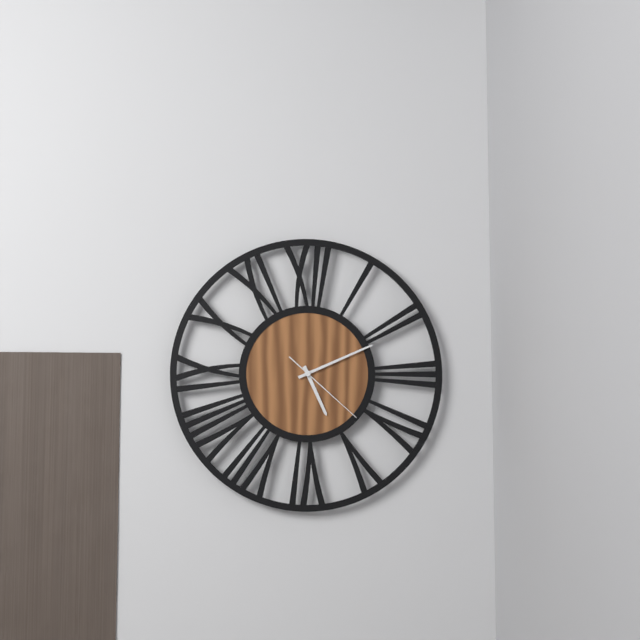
5:11:22
